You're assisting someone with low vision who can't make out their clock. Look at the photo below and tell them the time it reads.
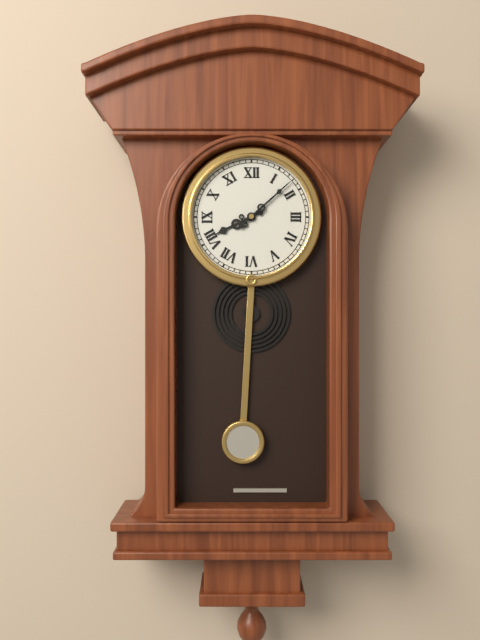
8:08
